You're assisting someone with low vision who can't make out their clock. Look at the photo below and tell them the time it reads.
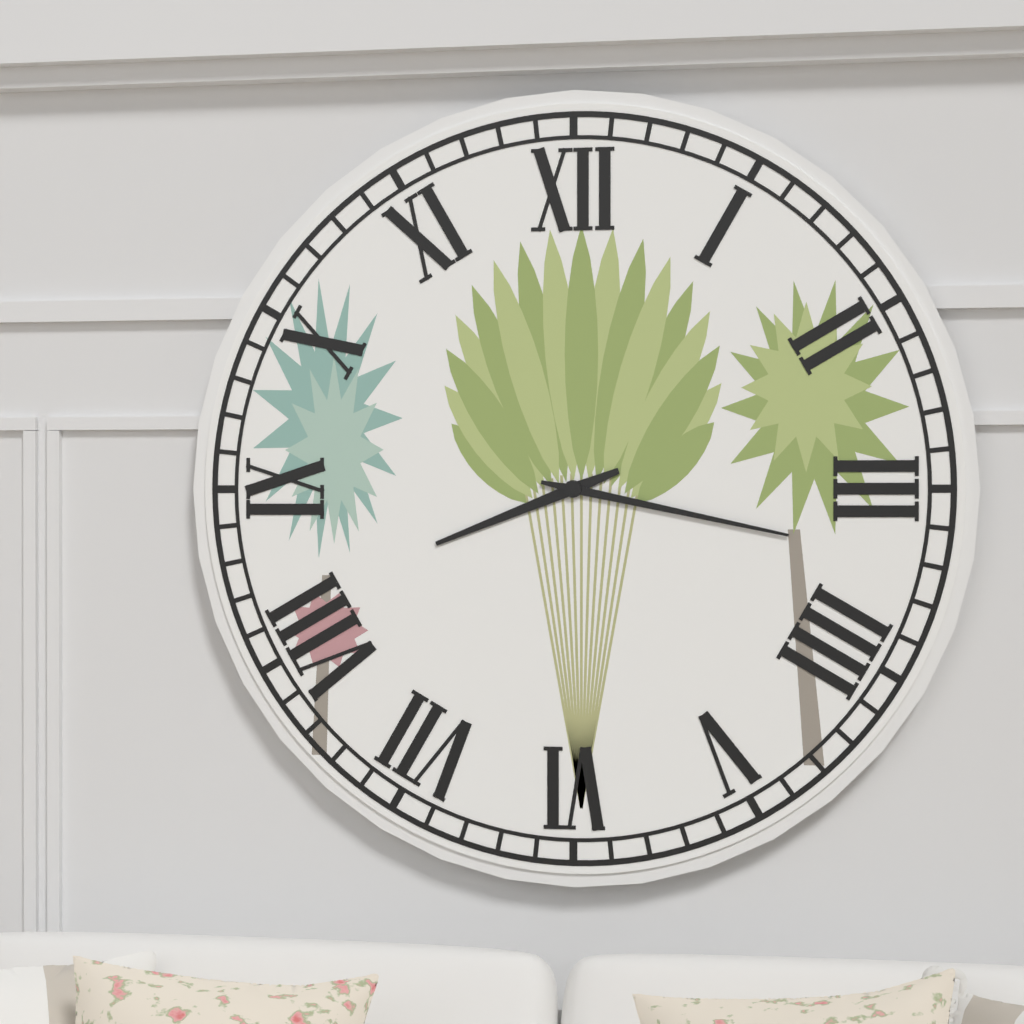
8:17
